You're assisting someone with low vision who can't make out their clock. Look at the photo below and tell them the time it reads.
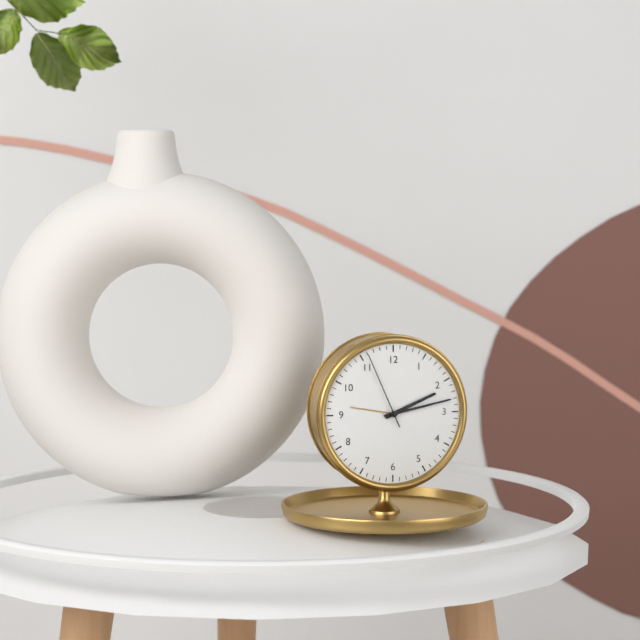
2:13:56
